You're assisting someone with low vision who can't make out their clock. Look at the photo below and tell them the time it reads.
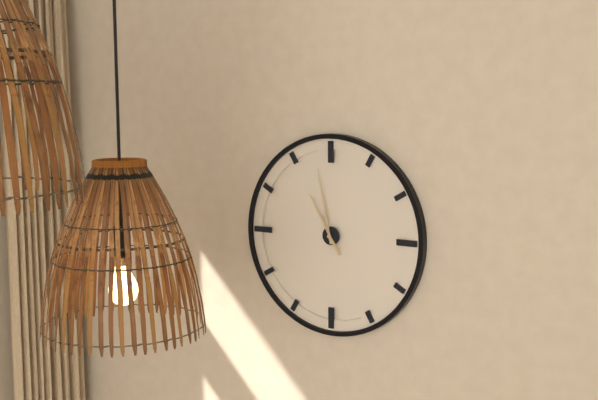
10:58
